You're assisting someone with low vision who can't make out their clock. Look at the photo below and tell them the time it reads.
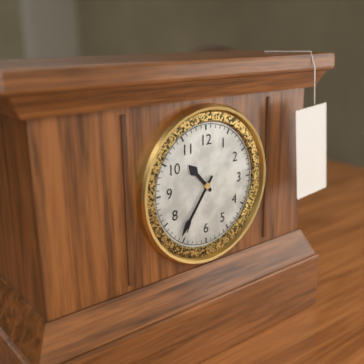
10:36
